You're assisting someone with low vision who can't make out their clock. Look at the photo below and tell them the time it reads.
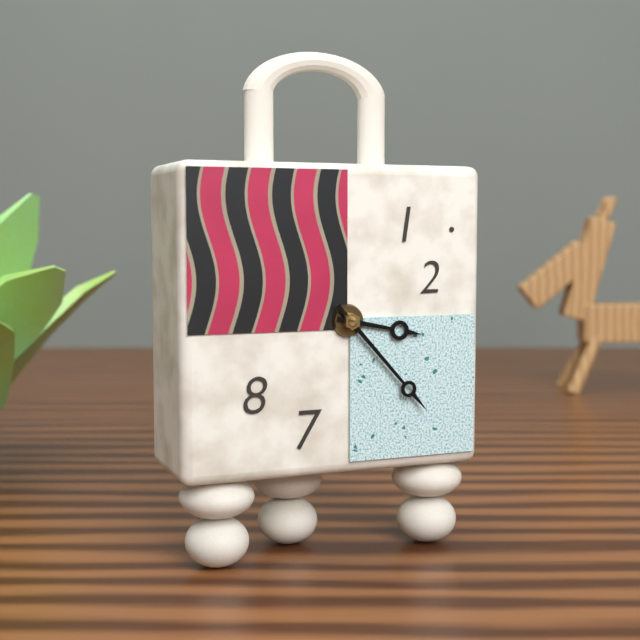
3:23
